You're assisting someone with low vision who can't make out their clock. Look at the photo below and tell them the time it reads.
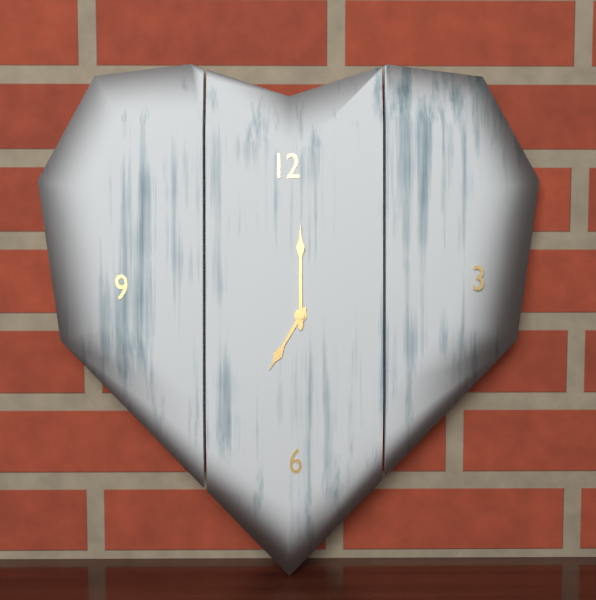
7:00
